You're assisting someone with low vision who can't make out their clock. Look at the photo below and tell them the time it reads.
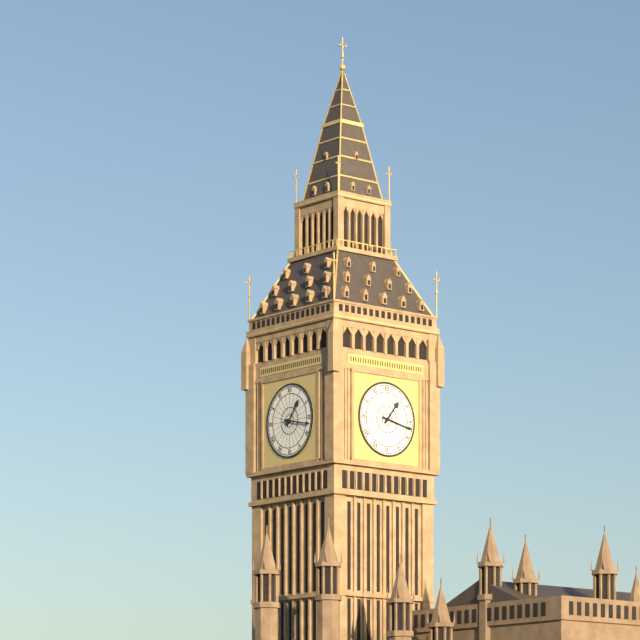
1:17
